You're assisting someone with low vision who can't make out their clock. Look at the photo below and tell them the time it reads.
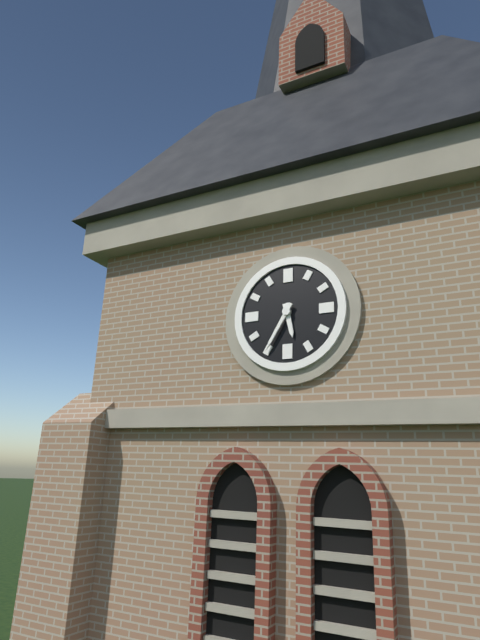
5:35
